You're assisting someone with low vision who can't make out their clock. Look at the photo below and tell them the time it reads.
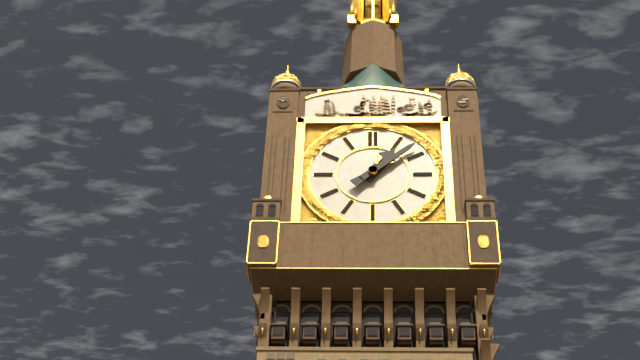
1:08
